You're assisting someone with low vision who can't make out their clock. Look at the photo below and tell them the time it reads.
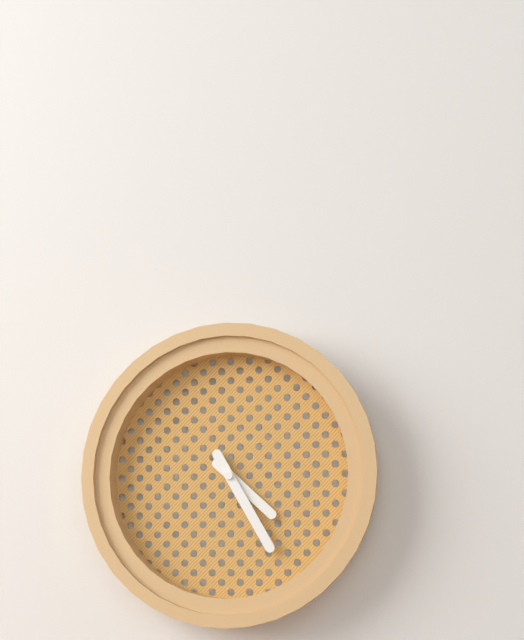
4:25
